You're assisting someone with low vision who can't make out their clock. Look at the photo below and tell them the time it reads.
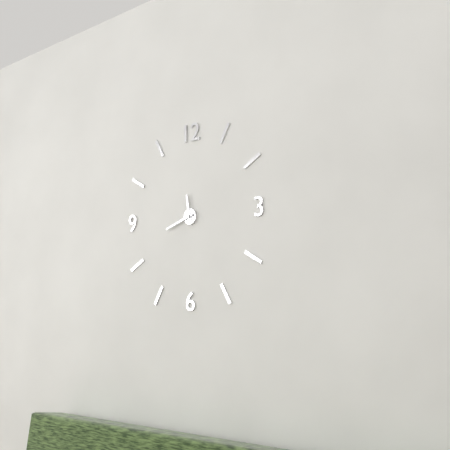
11:42
